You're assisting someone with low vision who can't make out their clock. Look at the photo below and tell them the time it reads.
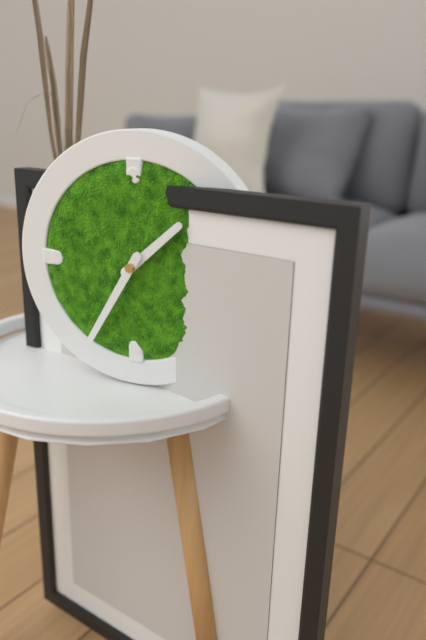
1:35
